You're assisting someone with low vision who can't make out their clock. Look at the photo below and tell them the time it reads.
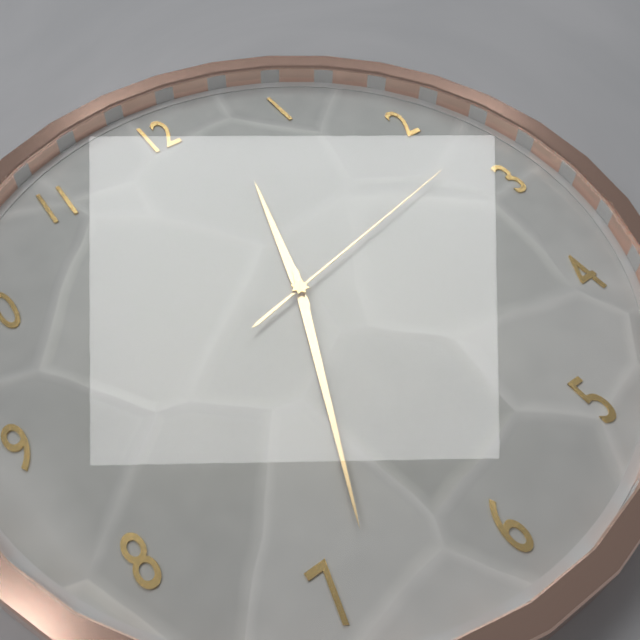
12:34:13
